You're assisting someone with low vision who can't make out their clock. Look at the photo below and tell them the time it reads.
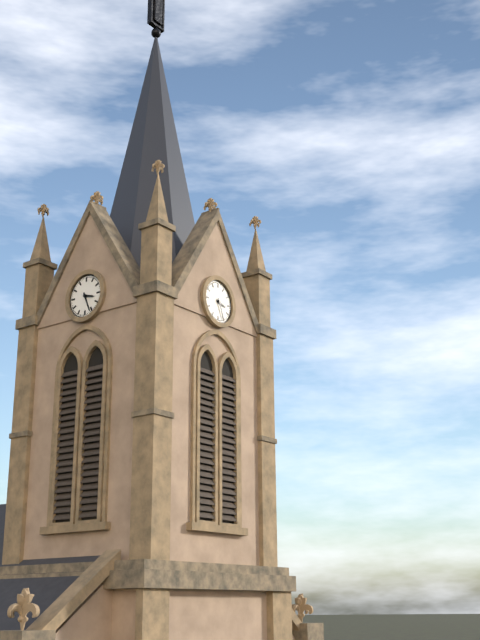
3:26
